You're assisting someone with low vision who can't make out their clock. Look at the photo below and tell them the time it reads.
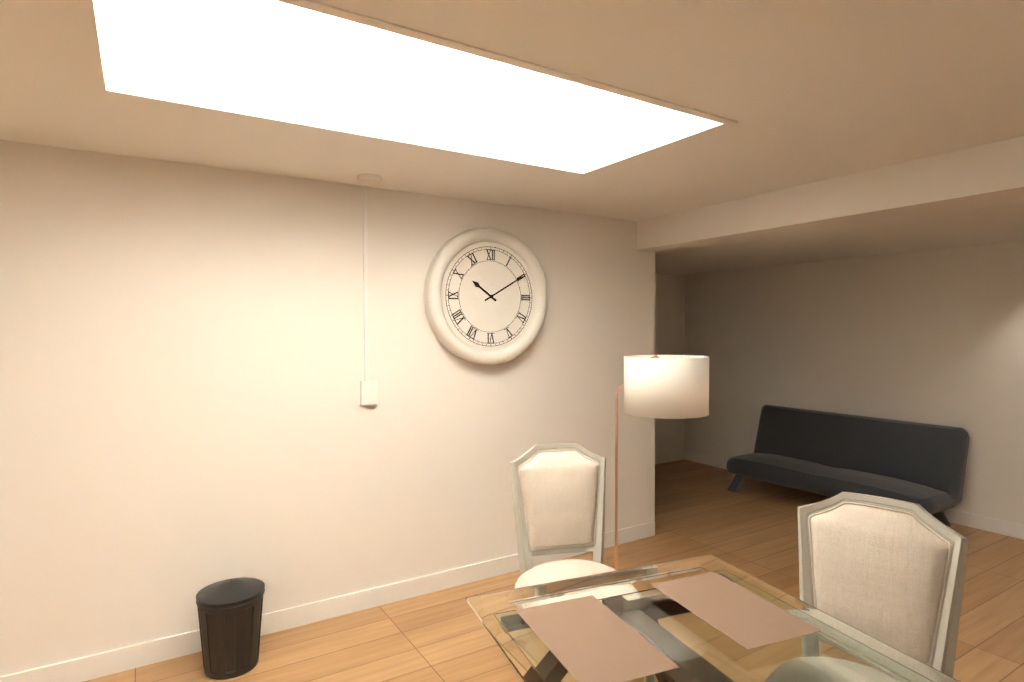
10:10
